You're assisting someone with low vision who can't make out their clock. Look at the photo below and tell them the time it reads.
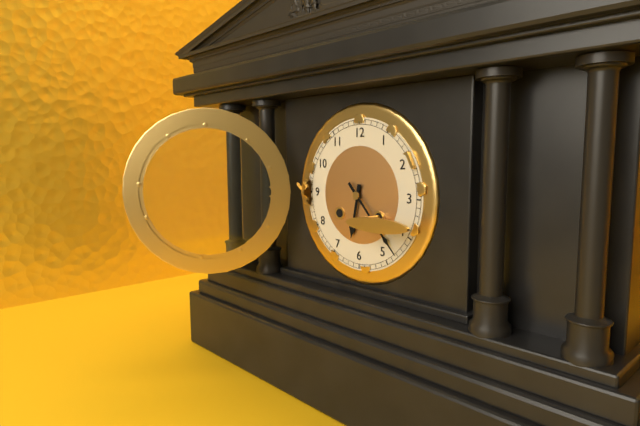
6:23
